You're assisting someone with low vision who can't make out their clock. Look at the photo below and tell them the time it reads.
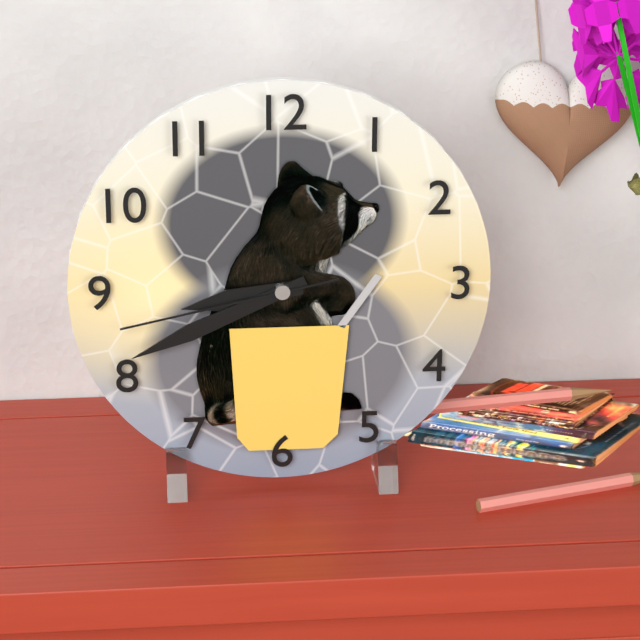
8:41:43
